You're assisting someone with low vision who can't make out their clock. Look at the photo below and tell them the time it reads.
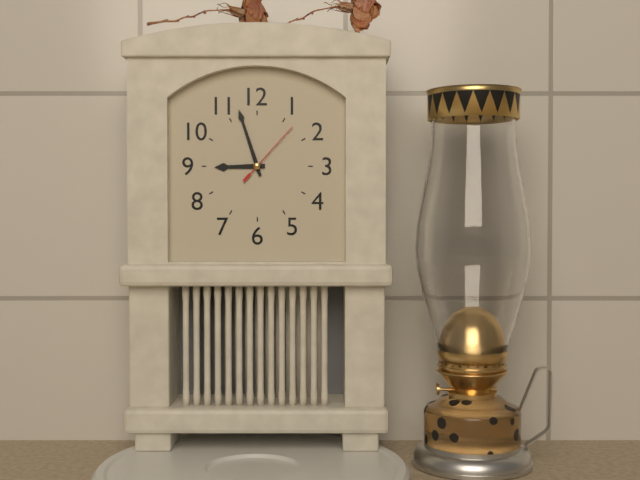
8:57:07
